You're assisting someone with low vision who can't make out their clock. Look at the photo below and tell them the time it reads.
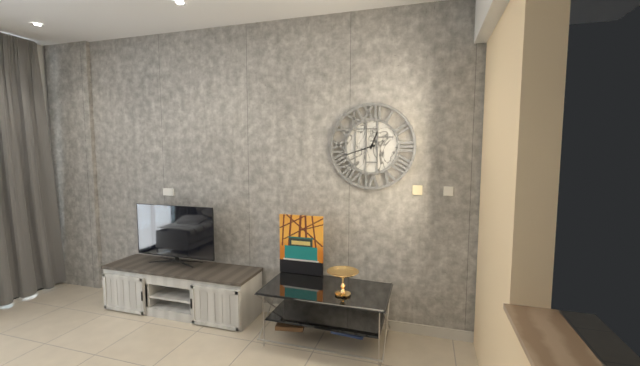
12:42
